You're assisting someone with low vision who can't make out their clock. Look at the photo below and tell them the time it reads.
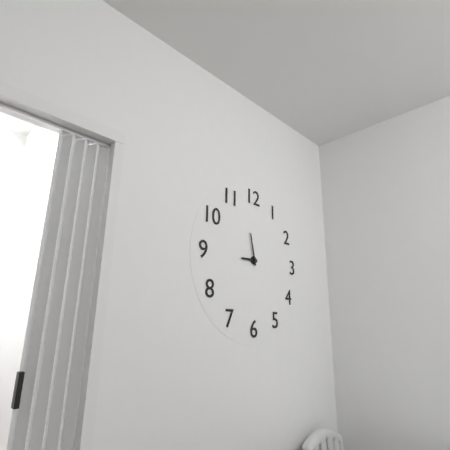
8:58
